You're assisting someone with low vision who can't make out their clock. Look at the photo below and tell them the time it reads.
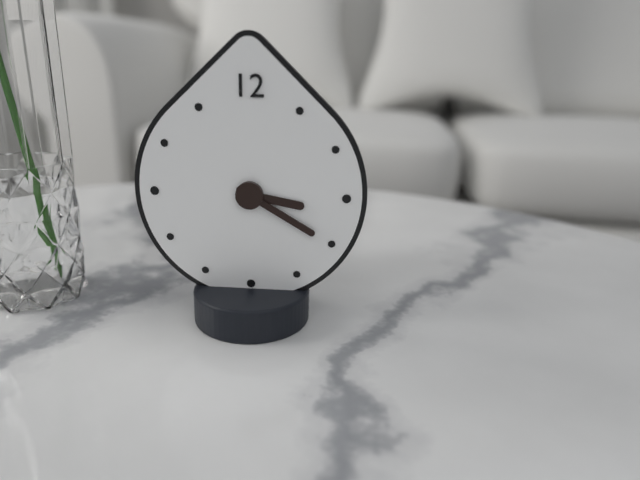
3:20
